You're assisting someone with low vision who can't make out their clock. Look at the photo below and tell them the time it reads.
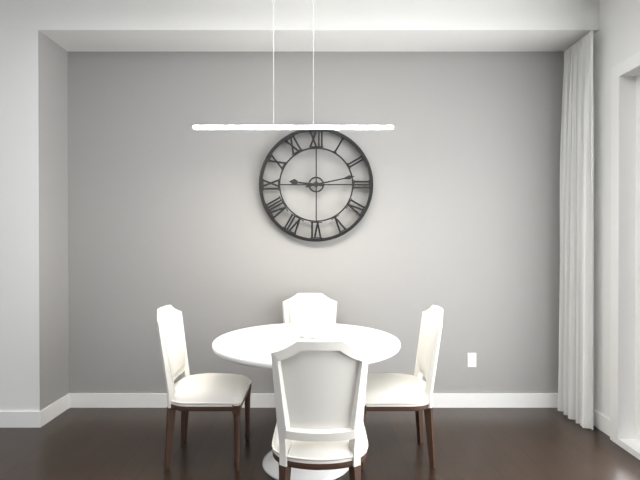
9:13
